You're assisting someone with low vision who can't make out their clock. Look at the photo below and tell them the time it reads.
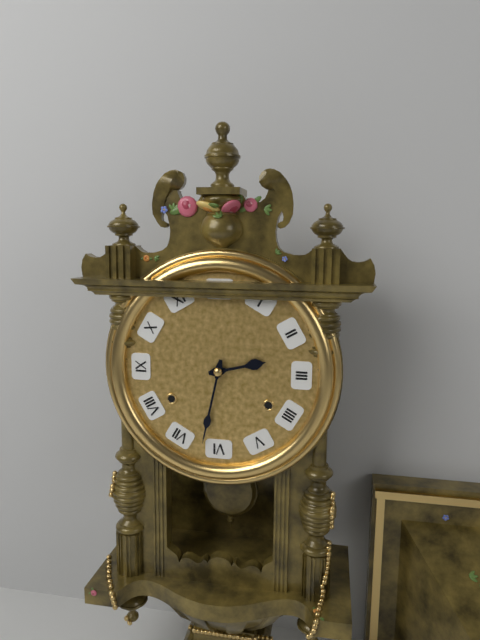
2:32
